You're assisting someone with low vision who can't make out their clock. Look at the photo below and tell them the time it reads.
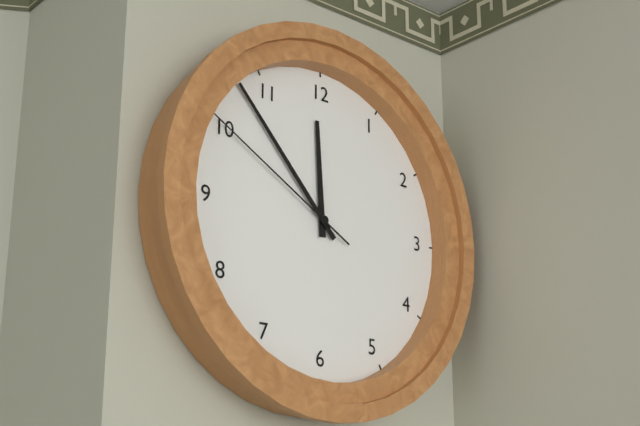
11:53:50
